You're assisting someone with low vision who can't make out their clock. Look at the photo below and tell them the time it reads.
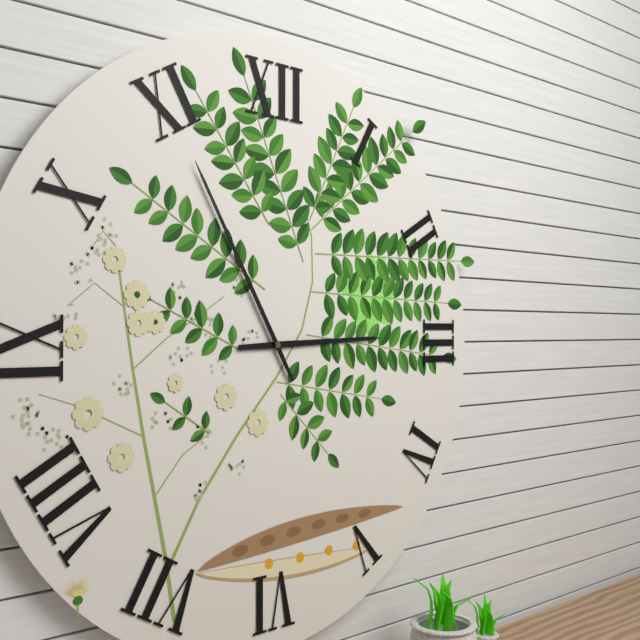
2:55
